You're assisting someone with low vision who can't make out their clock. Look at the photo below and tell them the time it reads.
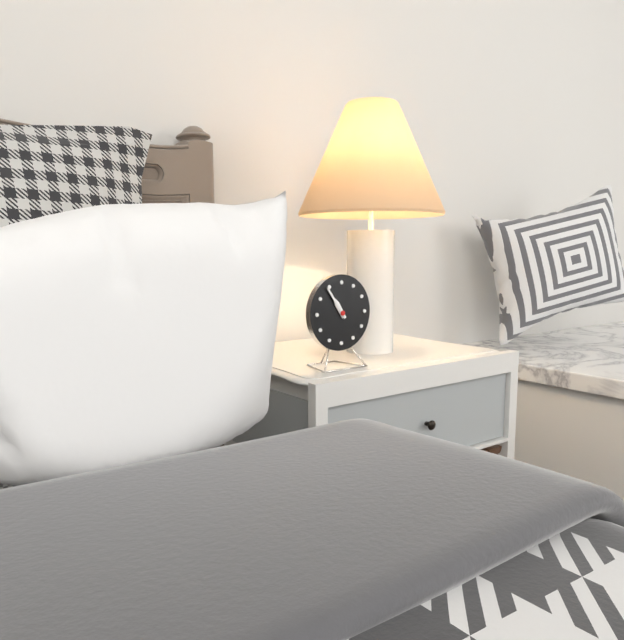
10:54
